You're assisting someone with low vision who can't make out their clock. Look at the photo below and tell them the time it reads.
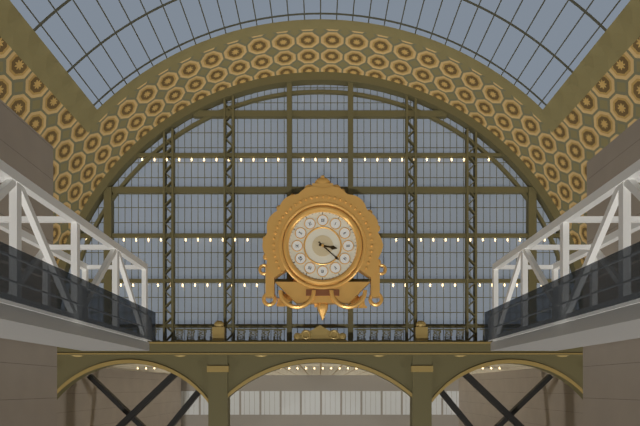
3:22
